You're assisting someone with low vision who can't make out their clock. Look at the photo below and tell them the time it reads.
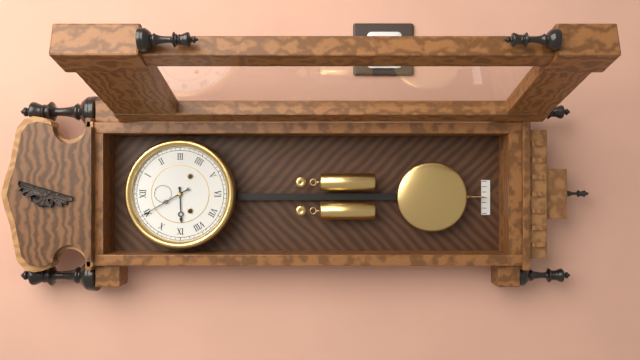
8:55
